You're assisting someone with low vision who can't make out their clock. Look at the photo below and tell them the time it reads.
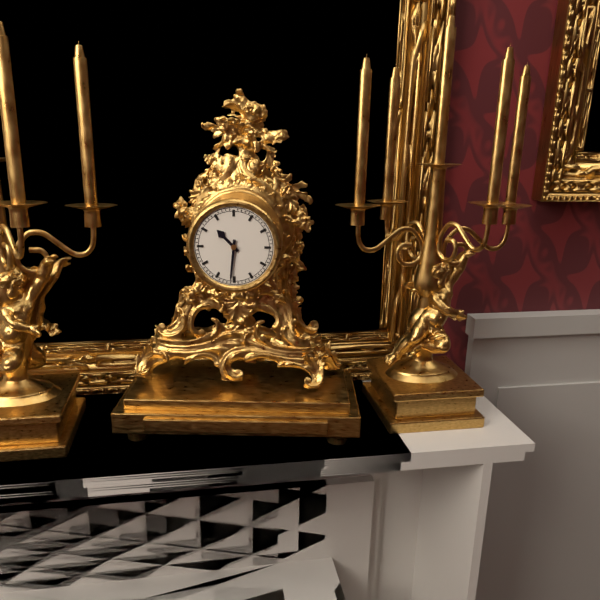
10:31
